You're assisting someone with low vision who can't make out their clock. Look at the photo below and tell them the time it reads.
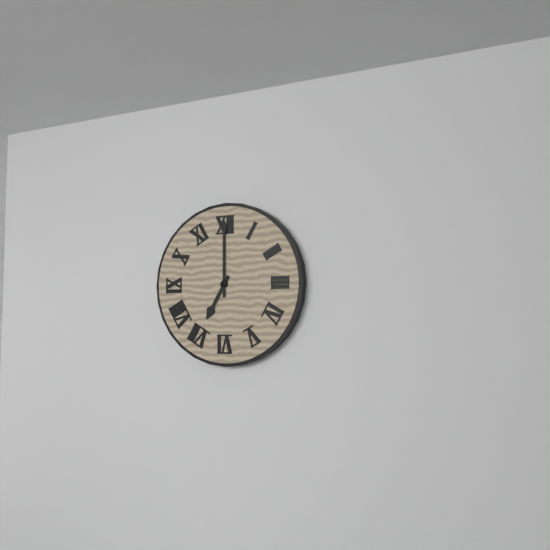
7:00
